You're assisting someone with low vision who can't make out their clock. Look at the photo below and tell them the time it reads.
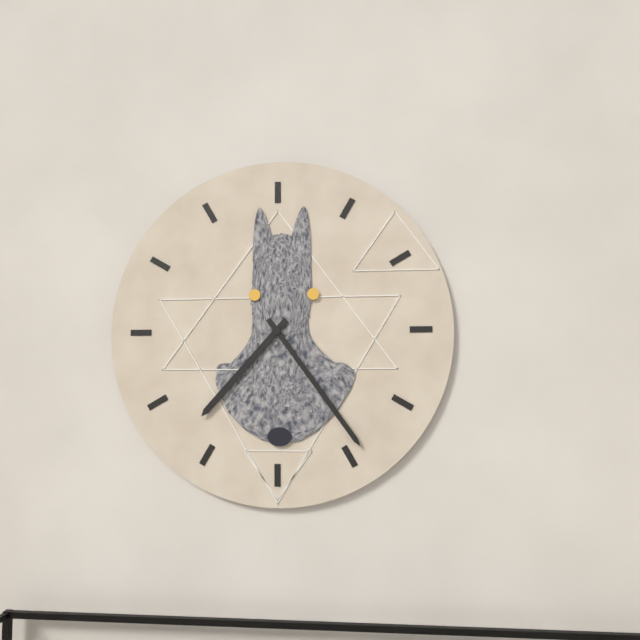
7:24
